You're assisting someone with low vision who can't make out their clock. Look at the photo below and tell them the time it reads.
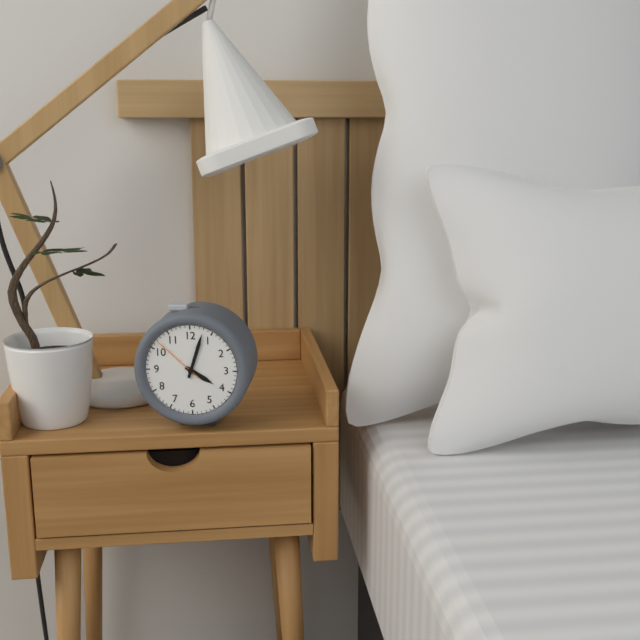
4:03:52
